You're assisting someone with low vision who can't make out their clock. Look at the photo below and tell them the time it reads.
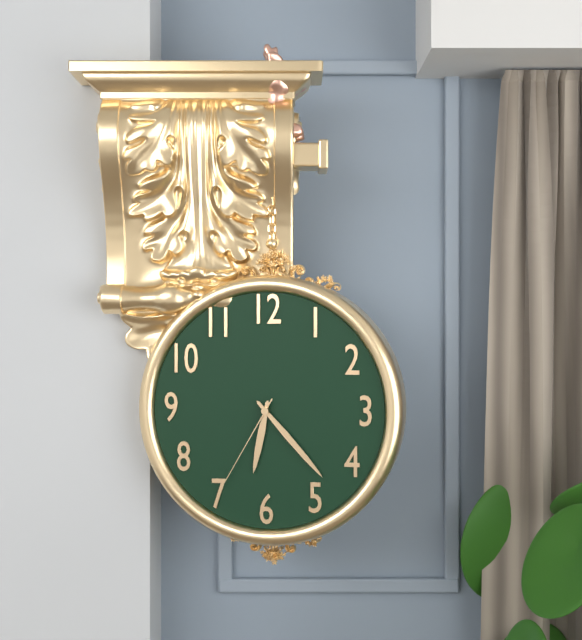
6:23:35
